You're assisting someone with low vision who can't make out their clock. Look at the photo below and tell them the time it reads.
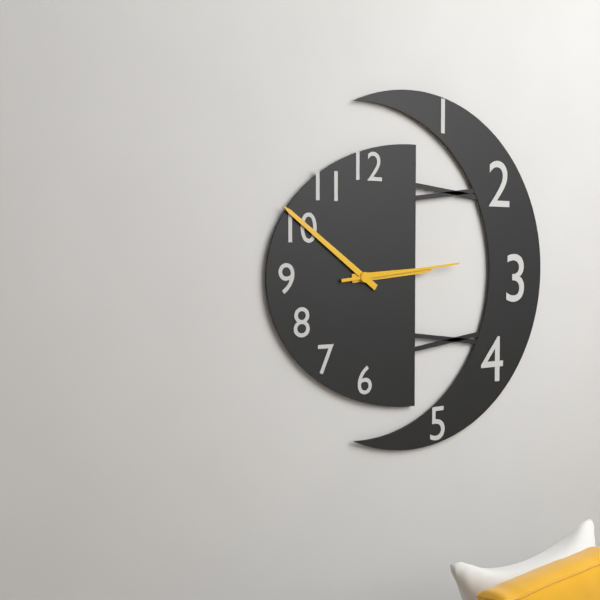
2:51:14
